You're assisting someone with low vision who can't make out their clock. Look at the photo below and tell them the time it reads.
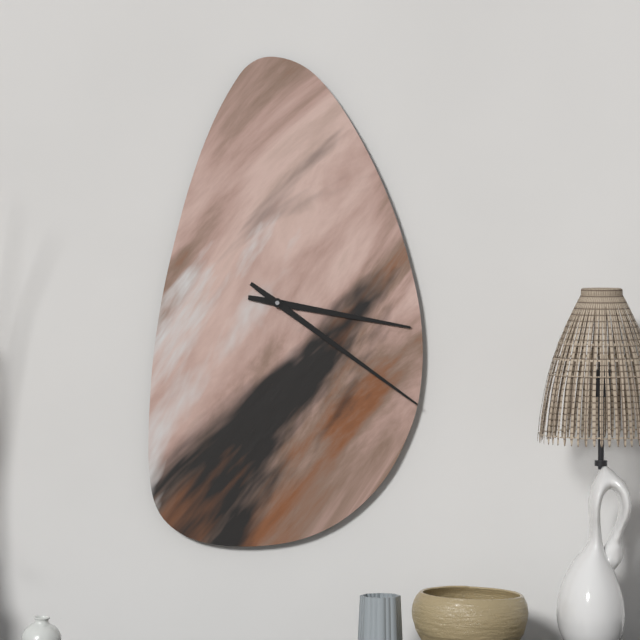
3:21
